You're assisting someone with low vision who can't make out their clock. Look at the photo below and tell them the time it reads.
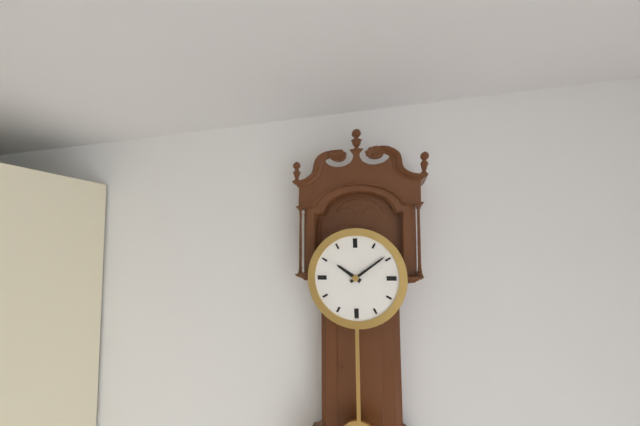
10:09
